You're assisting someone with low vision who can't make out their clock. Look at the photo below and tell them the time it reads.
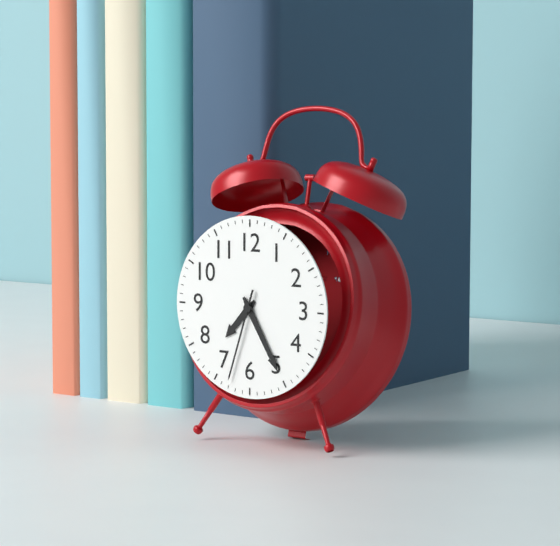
7:25:33
